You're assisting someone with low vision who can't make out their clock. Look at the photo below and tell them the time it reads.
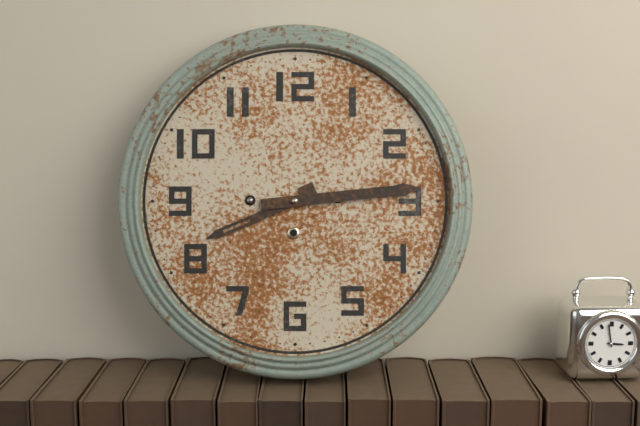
8:14
